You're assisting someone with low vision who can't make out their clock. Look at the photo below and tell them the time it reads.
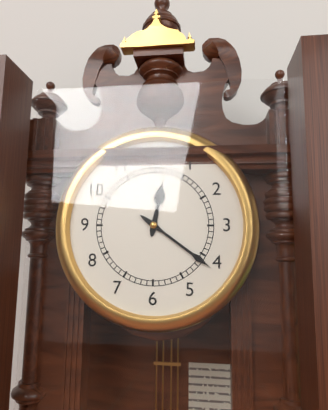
12:21
